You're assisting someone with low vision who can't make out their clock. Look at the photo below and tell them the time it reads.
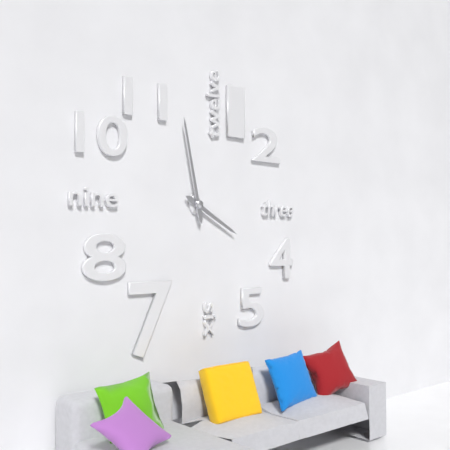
3:58
